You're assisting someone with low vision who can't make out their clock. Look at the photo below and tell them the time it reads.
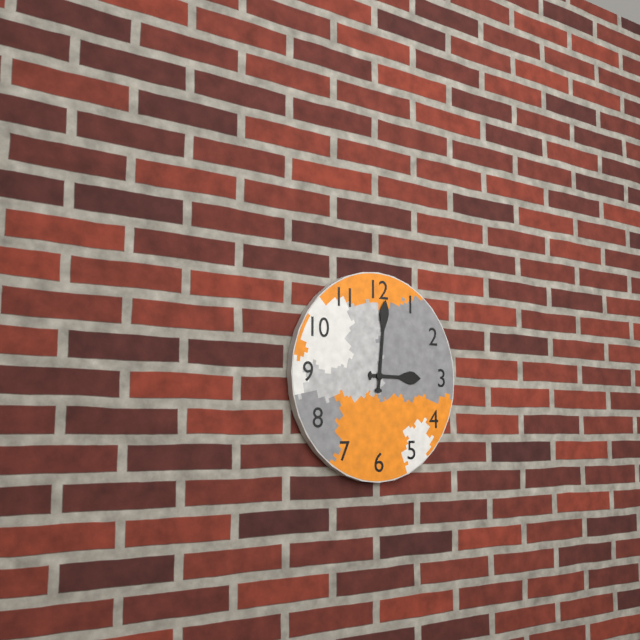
3:01
